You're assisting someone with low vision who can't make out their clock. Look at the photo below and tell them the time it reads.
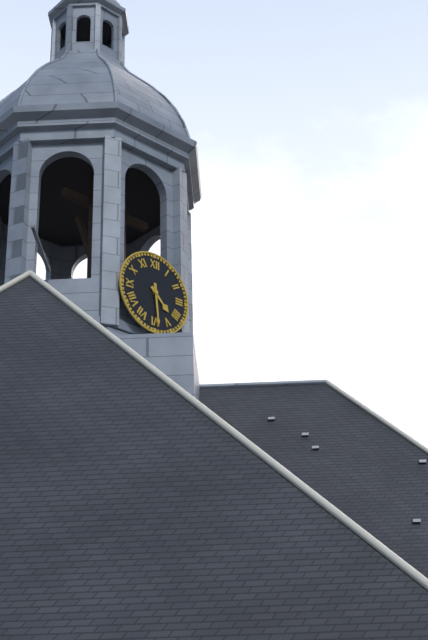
4:29
